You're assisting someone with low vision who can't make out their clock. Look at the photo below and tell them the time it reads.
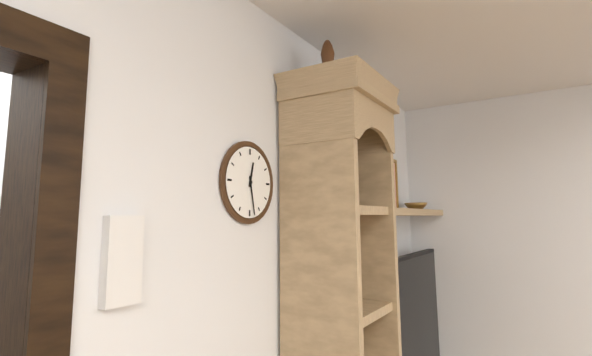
12:28
